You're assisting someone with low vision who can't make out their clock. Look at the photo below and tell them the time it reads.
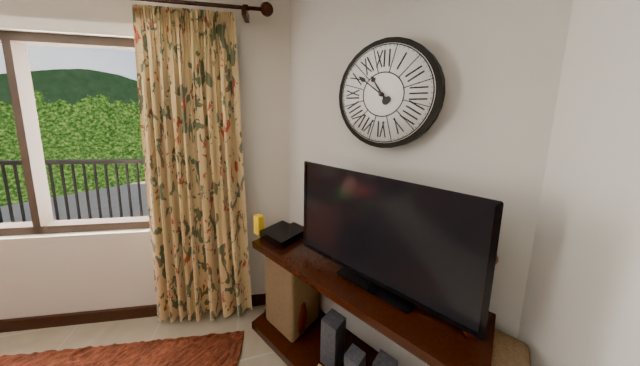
10:51
